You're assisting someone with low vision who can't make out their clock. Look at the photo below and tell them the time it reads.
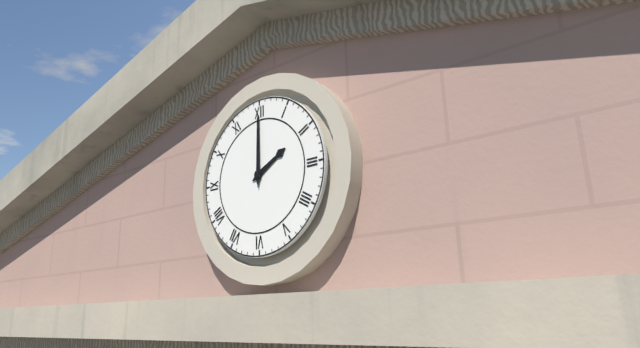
2:00
